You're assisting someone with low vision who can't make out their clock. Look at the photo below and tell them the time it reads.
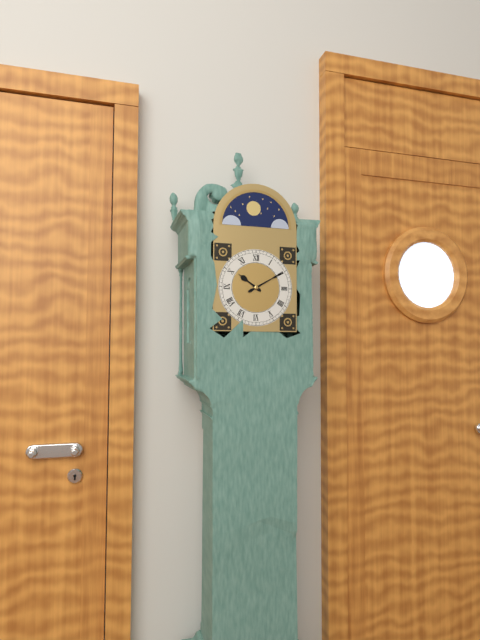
10:10
